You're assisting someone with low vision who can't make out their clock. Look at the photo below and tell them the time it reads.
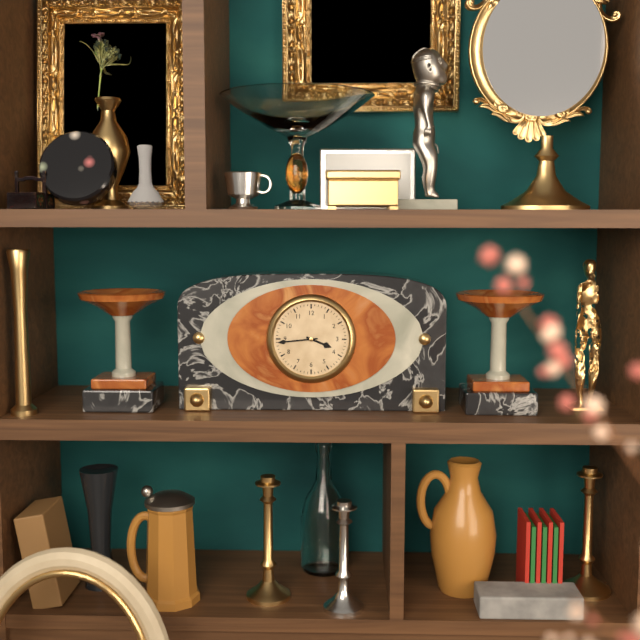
3:44
